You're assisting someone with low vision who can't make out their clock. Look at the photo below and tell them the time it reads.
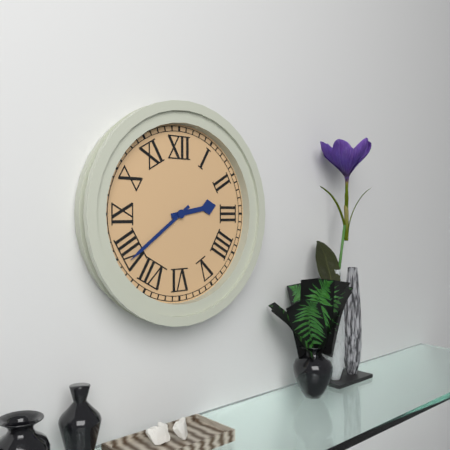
2:39
